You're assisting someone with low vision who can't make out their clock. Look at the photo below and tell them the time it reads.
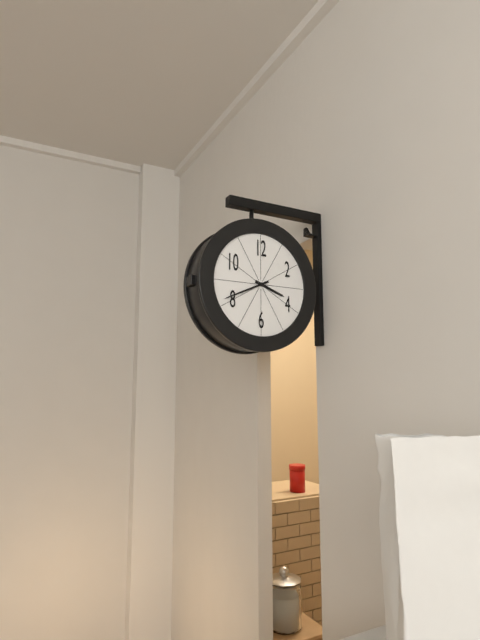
3:41
